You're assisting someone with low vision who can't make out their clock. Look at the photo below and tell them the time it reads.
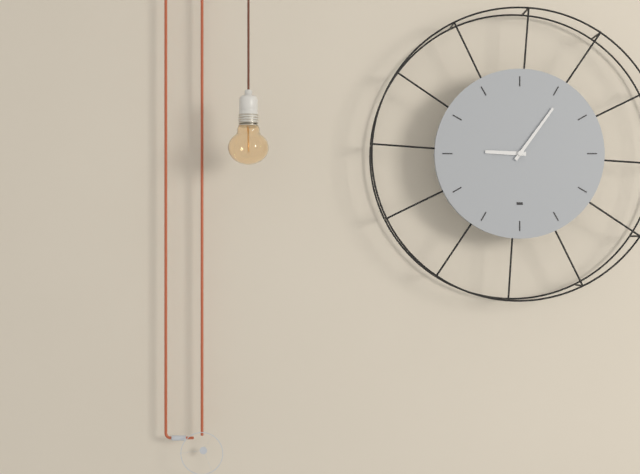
9:06
